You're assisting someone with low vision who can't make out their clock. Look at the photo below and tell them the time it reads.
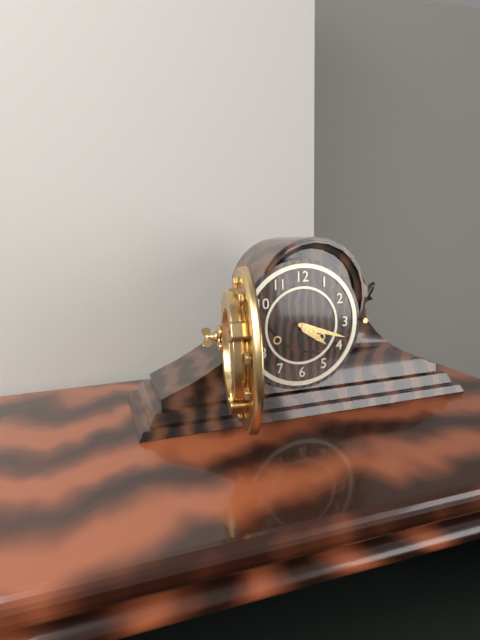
4:18
